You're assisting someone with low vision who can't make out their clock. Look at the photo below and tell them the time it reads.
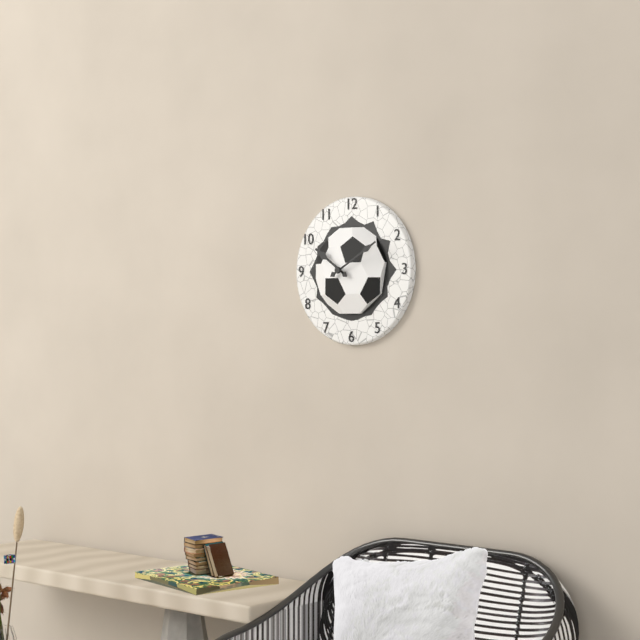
10:10
